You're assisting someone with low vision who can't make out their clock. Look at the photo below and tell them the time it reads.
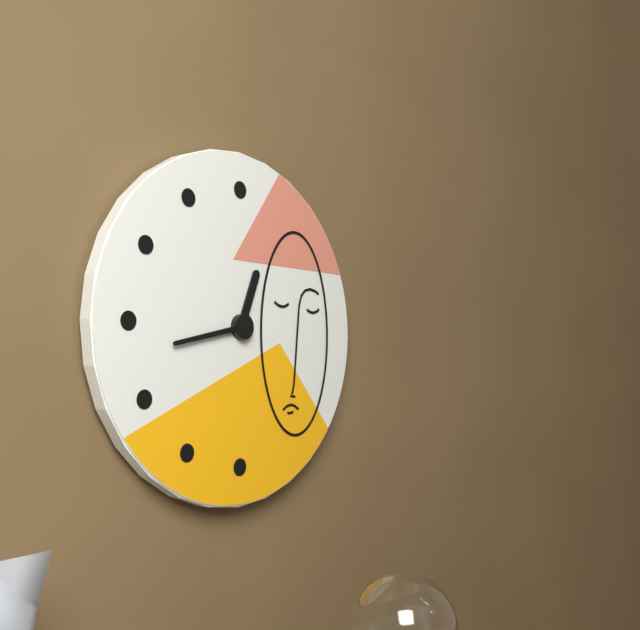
12:43
